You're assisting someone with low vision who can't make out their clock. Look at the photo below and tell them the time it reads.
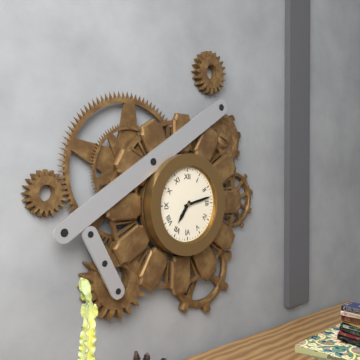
7:13
